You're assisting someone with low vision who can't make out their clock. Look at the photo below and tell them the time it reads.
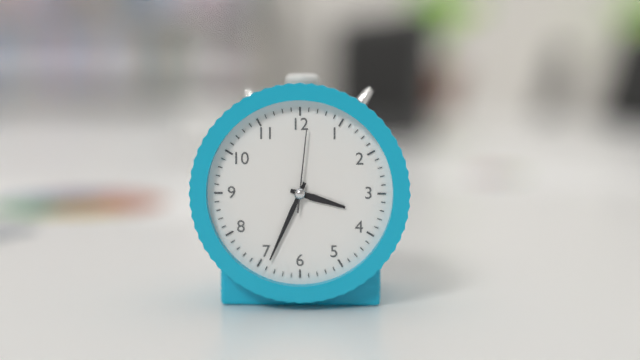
3:34:01
